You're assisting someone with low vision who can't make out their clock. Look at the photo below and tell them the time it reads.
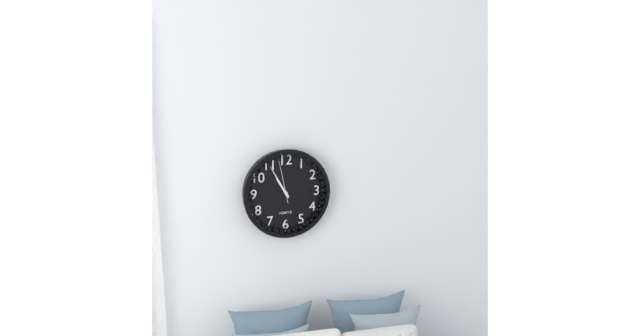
10:55
